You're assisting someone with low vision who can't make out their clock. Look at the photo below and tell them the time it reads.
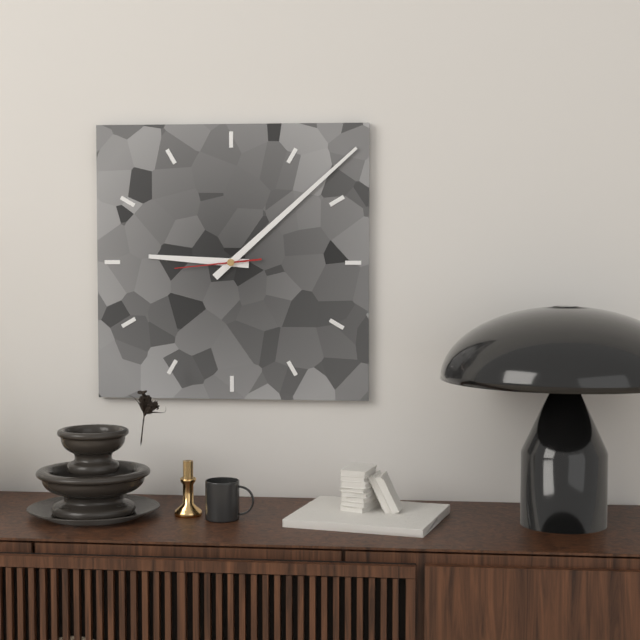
9:08:44
